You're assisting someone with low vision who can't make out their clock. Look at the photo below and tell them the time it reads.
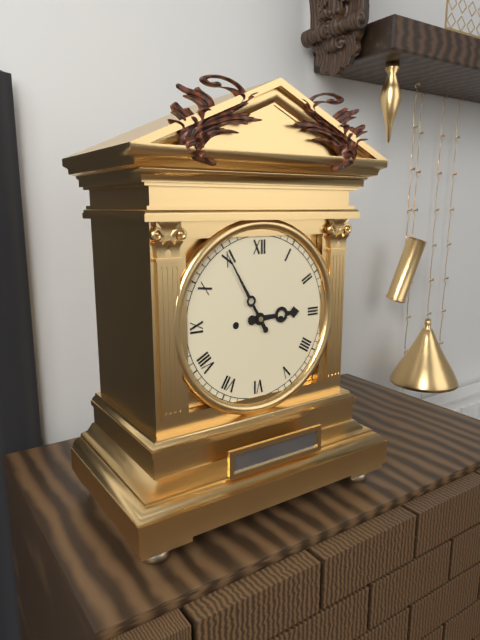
2:55
